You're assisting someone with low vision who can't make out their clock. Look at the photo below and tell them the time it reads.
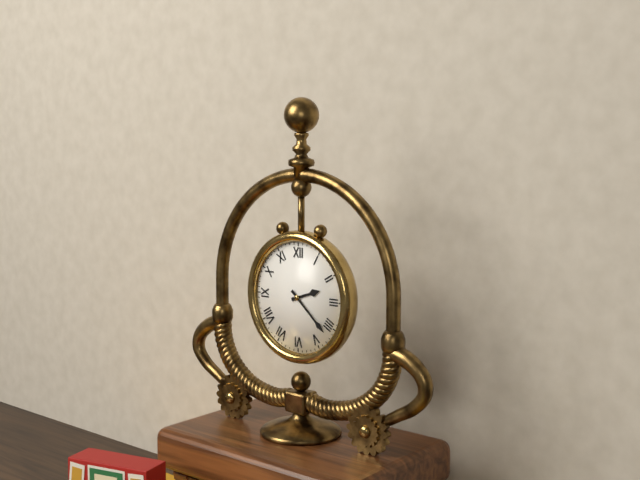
2:22
